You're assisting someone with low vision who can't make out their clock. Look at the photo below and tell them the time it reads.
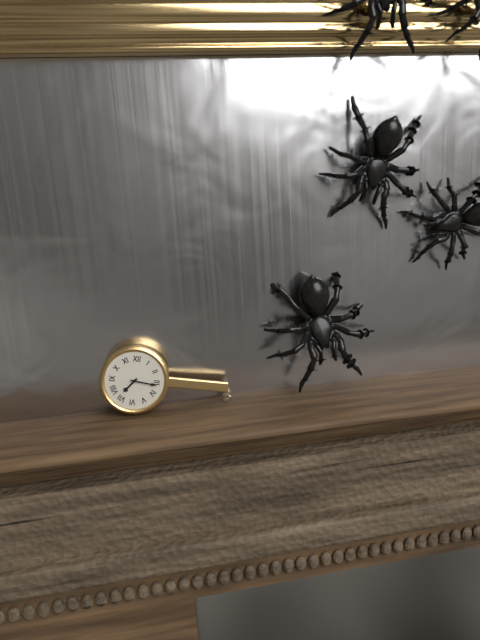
7:16
